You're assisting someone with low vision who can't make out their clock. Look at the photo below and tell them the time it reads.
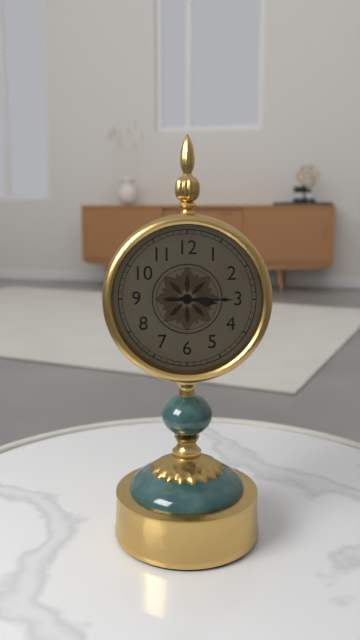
3:15
